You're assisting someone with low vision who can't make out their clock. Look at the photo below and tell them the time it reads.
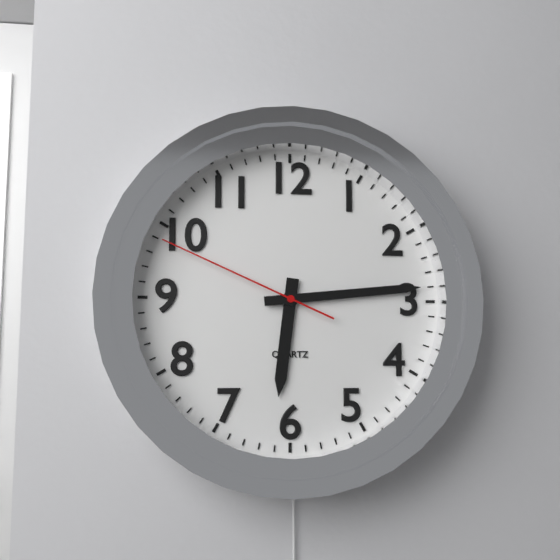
6:14:49
